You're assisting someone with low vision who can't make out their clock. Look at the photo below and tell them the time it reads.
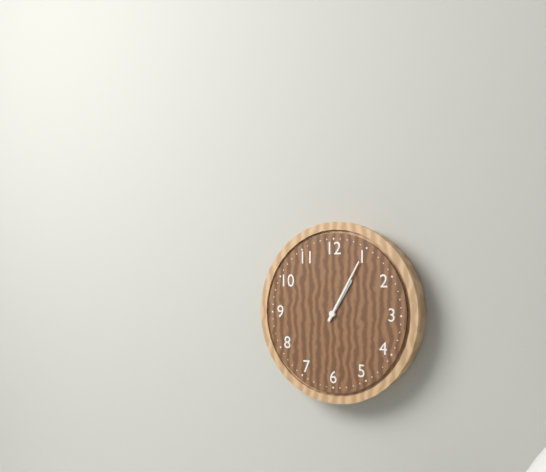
1:05
